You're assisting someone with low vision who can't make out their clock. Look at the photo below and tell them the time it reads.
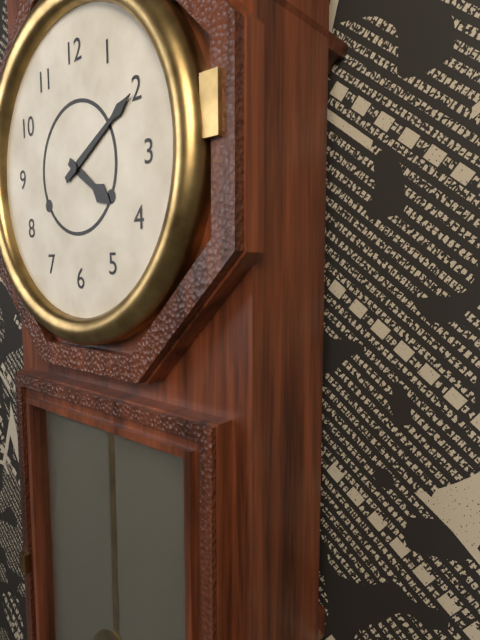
4:10
